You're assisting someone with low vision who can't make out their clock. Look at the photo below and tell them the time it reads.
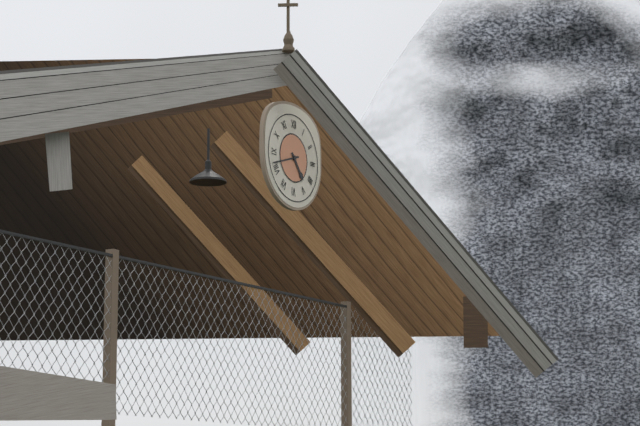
4:42
